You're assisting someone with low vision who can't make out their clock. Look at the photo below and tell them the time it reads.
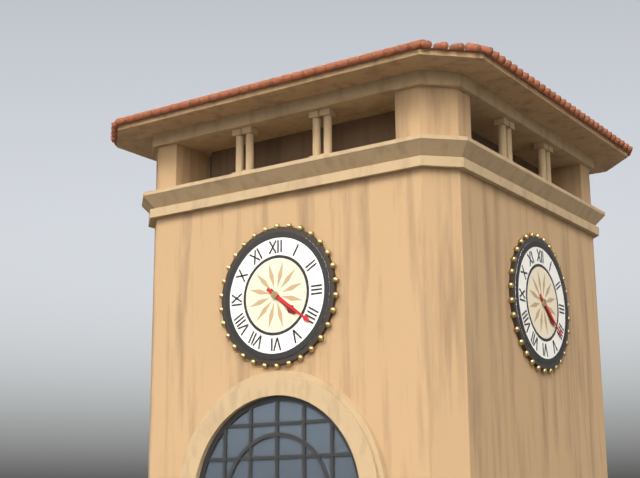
4:21
